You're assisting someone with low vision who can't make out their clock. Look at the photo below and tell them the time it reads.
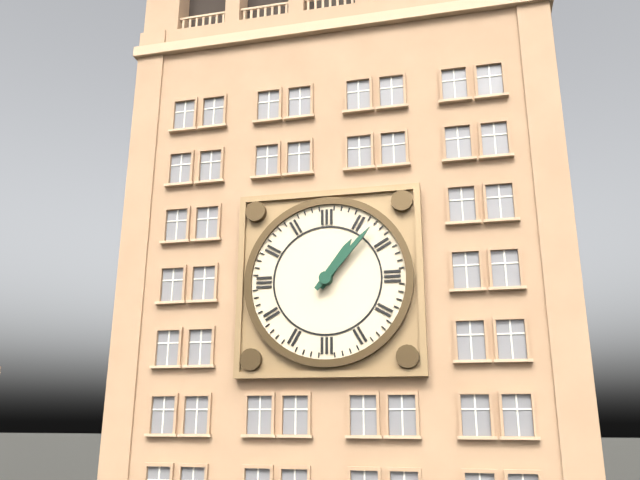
1:07
